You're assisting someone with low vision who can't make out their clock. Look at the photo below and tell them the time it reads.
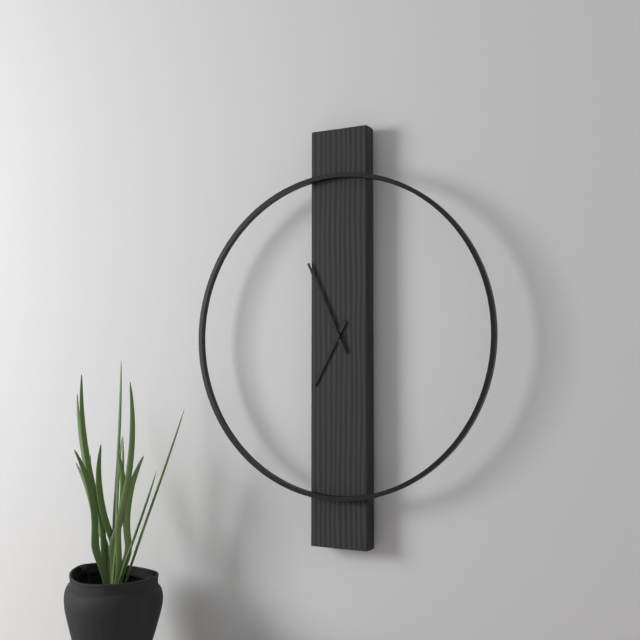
6:56
